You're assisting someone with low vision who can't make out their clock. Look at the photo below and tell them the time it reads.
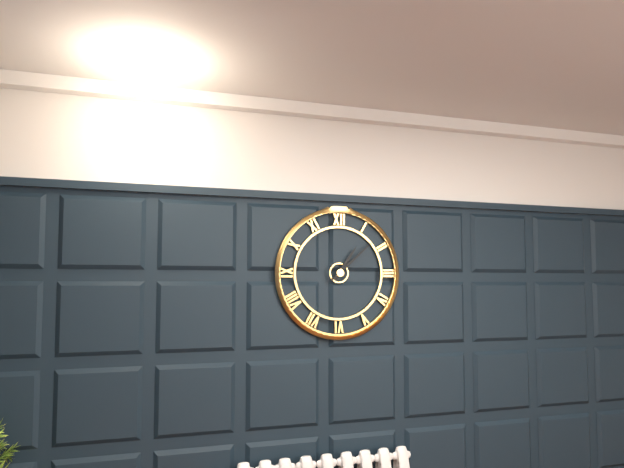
1:08
